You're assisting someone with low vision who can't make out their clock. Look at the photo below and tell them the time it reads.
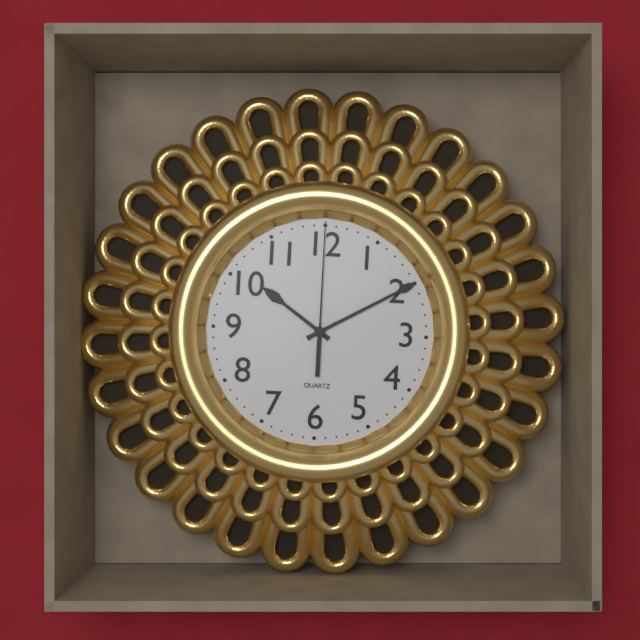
10:10:00
